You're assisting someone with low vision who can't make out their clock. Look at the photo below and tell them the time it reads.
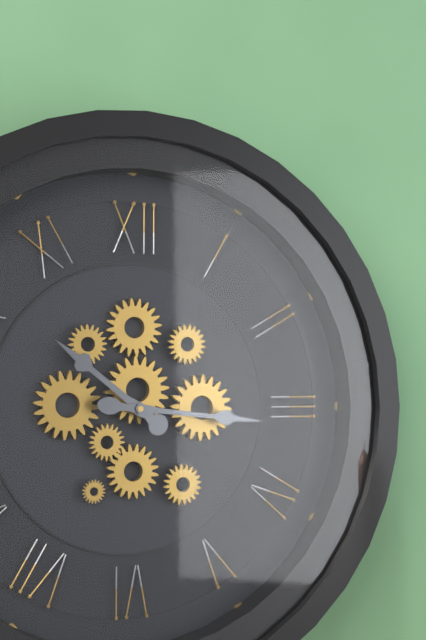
10:16
